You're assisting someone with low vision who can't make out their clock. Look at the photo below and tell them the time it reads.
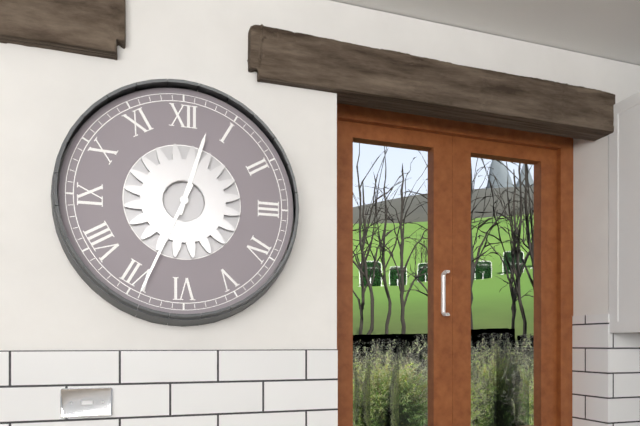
12:34
